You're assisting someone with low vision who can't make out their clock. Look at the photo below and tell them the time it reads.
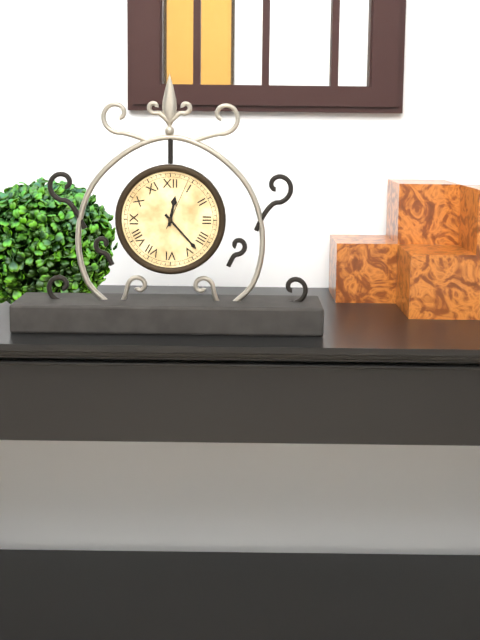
12:23:04
